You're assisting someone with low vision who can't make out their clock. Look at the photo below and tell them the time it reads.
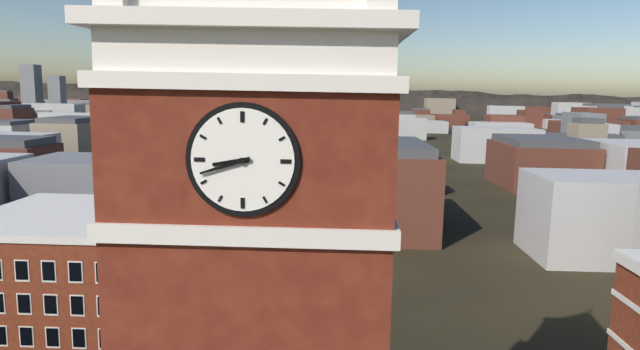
8:42
